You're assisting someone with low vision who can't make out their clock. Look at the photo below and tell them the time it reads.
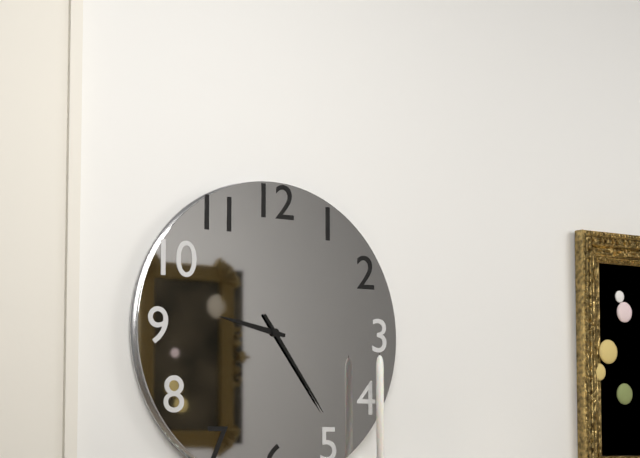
9:24
